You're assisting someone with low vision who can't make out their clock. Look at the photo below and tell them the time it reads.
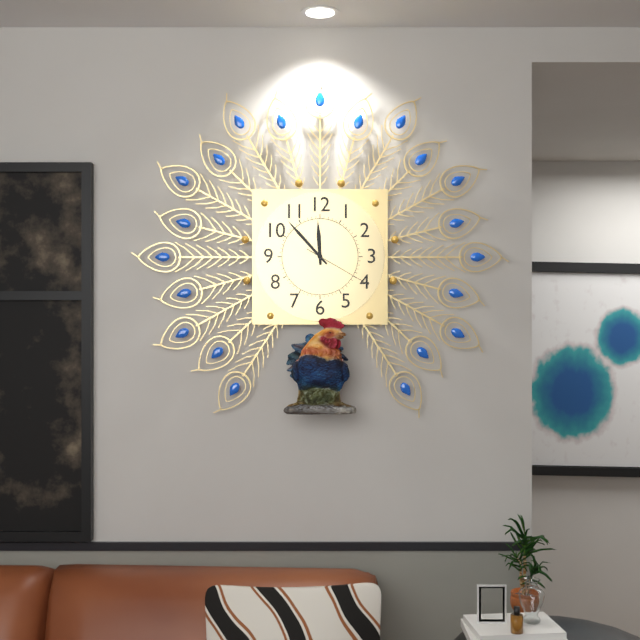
11:53:20
